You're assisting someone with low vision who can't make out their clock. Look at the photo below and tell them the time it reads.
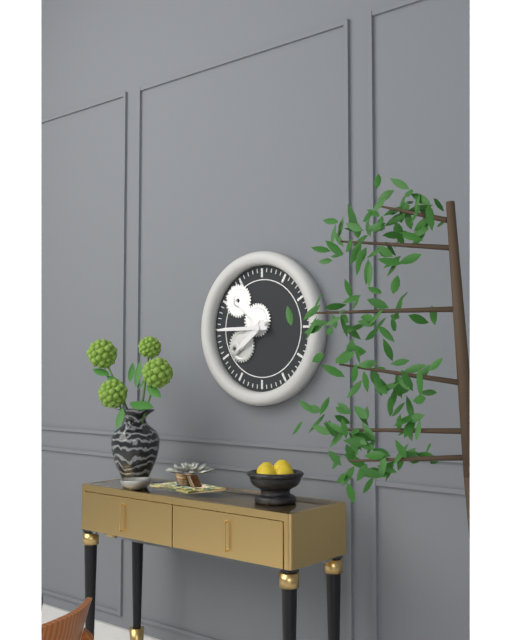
7:45
